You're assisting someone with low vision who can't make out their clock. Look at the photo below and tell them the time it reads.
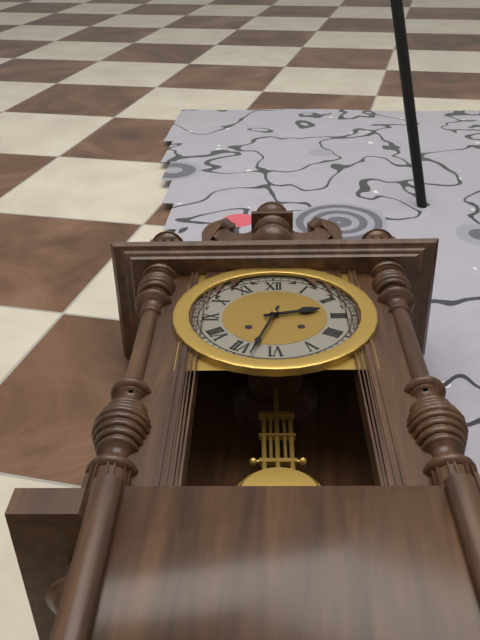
2:33
